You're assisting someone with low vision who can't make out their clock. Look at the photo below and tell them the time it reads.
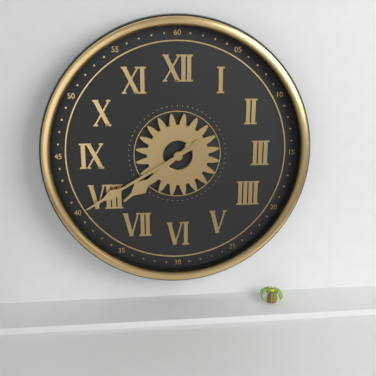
7:40
